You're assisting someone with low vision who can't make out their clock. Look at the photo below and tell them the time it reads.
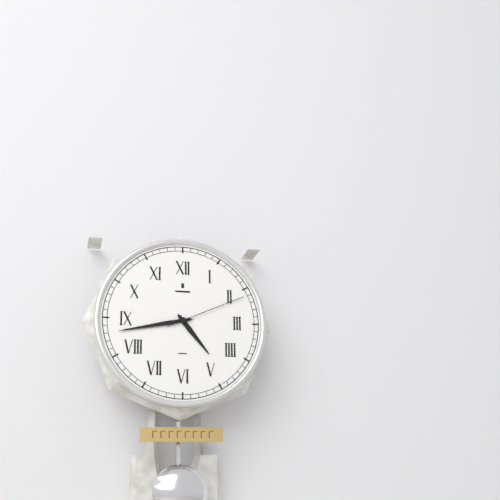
4:43:11
